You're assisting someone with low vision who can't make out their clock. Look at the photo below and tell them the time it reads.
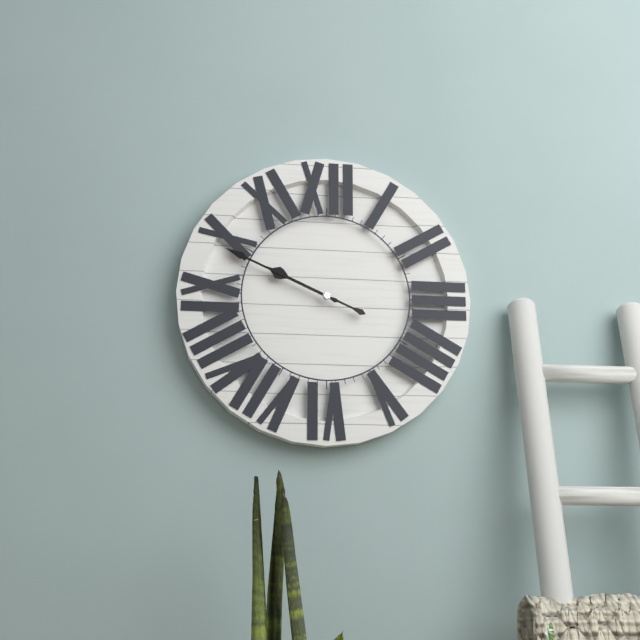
9:49
